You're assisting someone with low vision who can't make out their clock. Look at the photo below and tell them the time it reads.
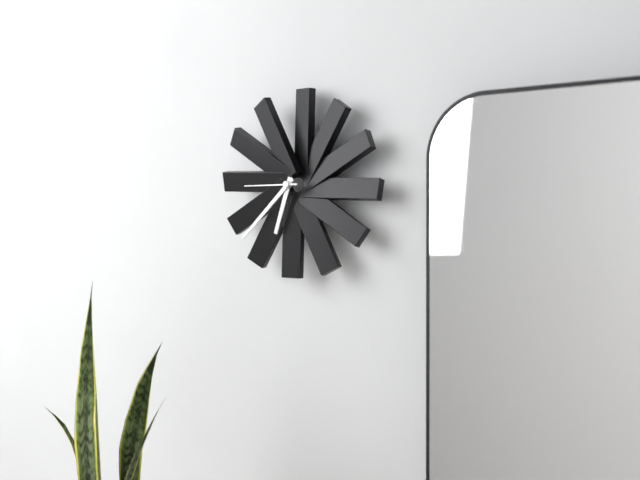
6:38:45
